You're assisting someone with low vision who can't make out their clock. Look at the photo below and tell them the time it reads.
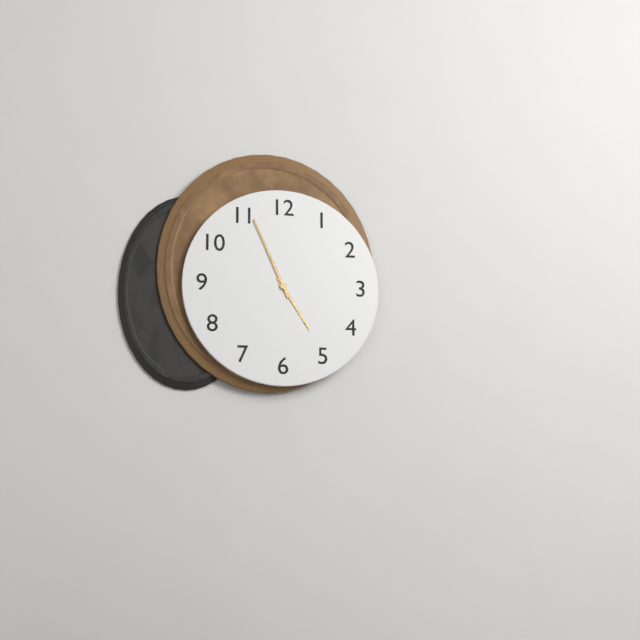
4:56
